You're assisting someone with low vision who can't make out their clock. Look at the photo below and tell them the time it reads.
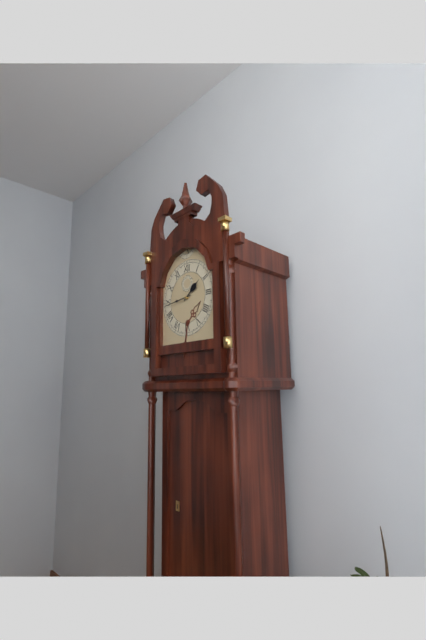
1:44
